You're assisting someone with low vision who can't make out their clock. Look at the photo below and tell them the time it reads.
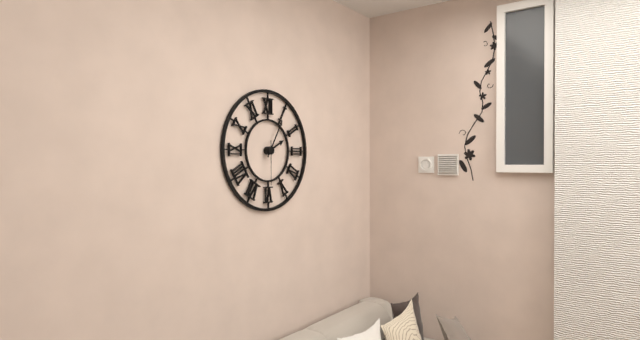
2:05
